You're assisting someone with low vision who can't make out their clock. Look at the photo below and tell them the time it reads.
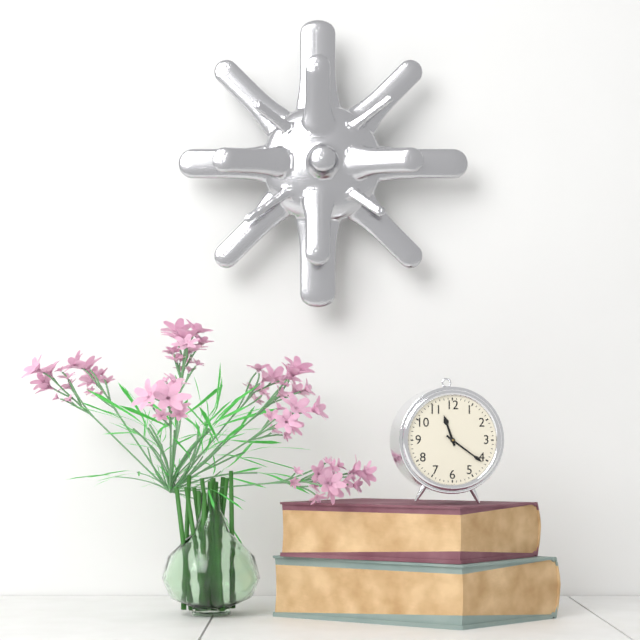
11:21
